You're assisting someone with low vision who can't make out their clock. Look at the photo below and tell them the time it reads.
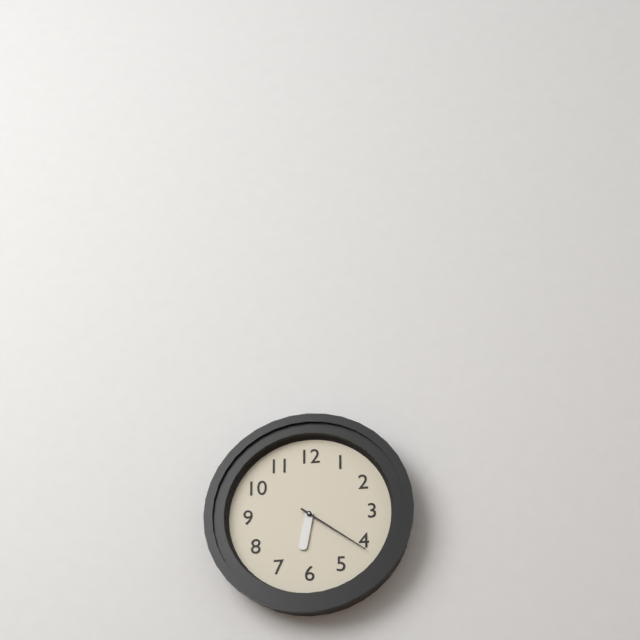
6:21
